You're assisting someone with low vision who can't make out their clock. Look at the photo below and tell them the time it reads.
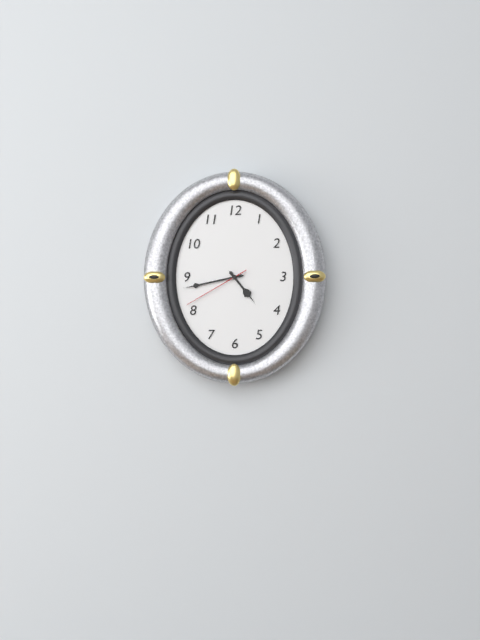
4:43:40
